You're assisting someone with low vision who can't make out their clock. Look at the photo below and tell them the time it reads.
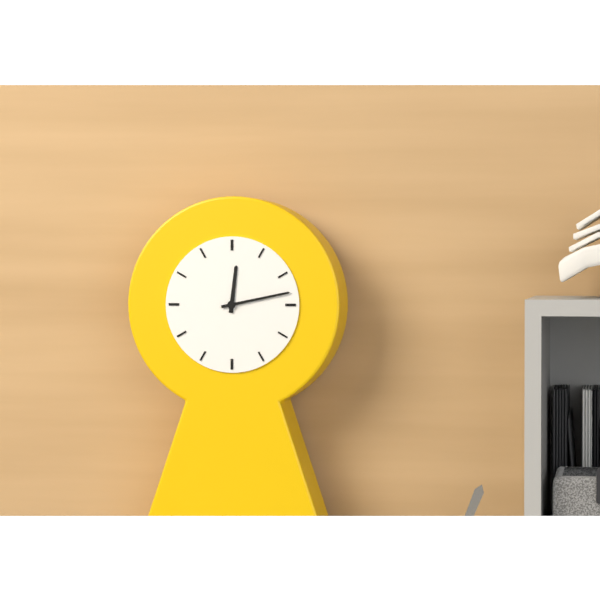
12:13
